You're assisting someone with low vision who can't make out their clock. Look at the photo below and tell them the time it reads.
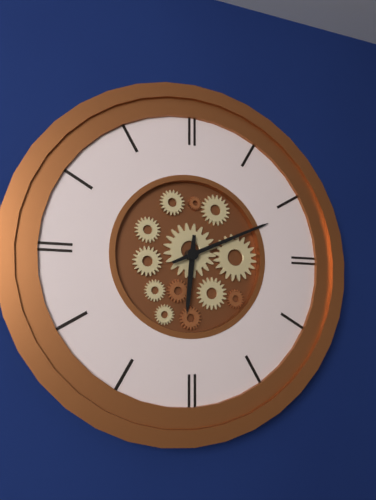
6:11
